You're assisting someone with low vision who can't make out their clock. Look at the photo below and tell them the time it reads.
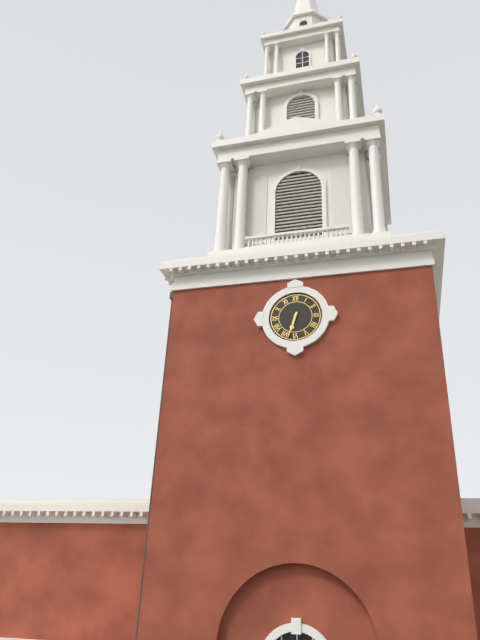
6:33
